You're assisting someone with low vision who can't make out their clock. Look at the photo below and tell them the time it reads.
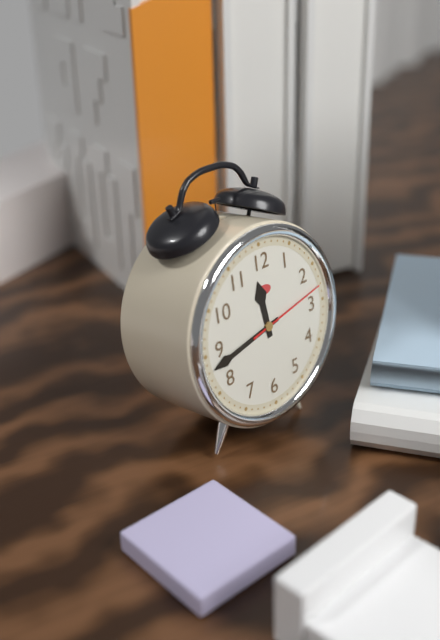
11:43:13
